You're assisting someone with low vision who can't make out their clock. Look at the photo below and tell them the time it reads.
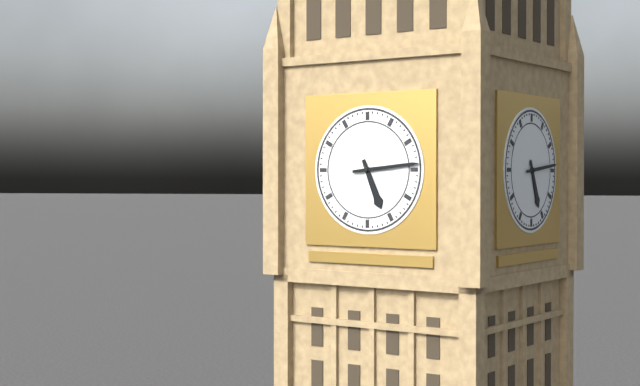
5:14
